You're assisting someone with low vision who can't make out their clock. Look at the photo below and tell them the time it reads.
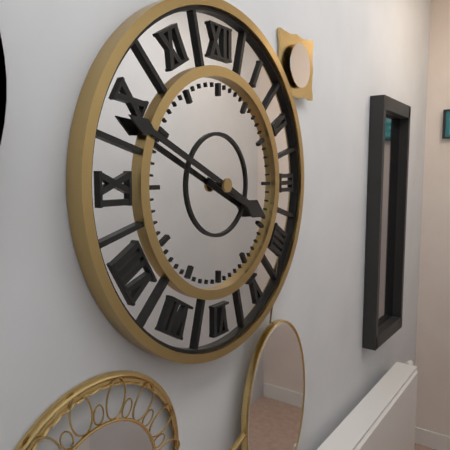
3:49
